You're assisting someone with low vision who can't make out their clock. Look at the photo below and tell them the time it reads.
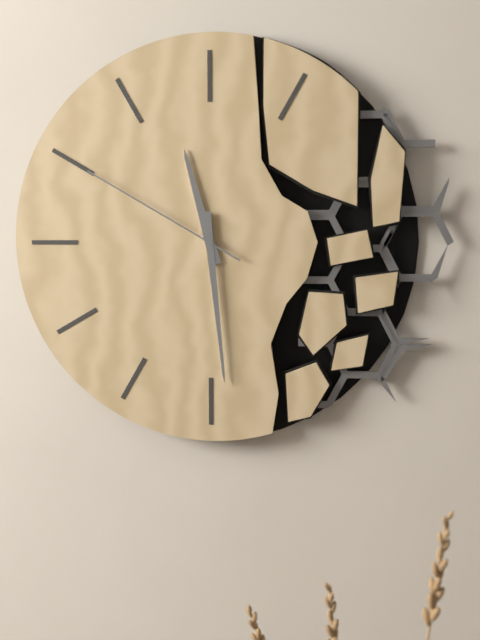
11:29:50
